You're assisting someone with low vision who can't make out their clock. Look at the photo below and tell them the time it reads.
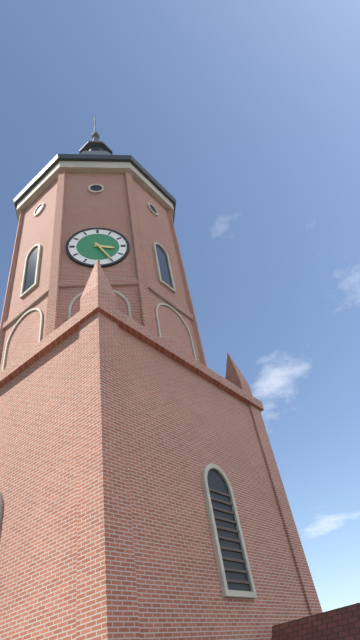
3:25
